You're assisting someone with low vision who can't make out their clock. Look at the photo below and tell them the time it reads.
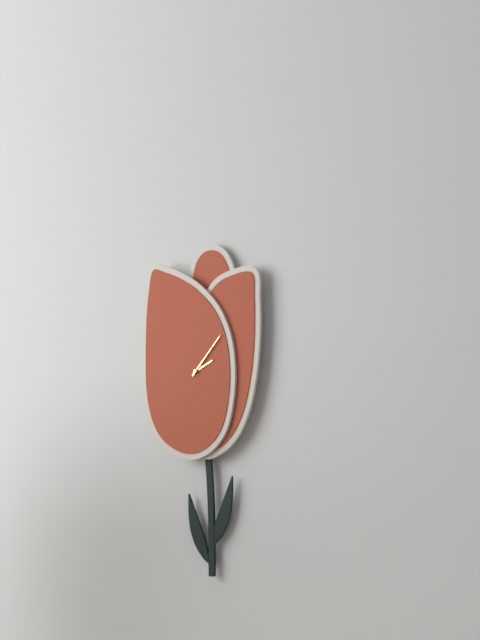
2:07
